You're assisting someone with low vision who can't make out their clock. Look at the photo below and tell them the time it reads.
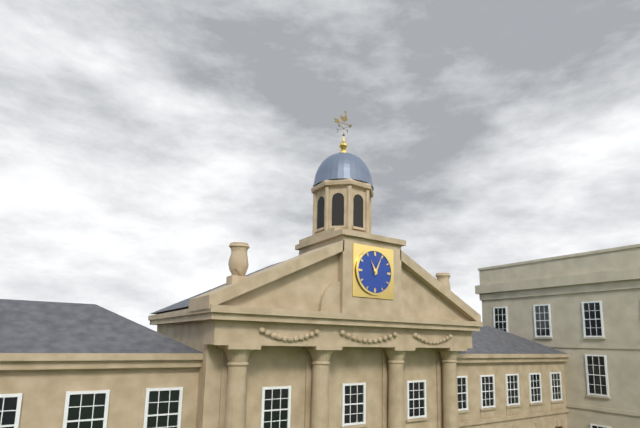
11:04
